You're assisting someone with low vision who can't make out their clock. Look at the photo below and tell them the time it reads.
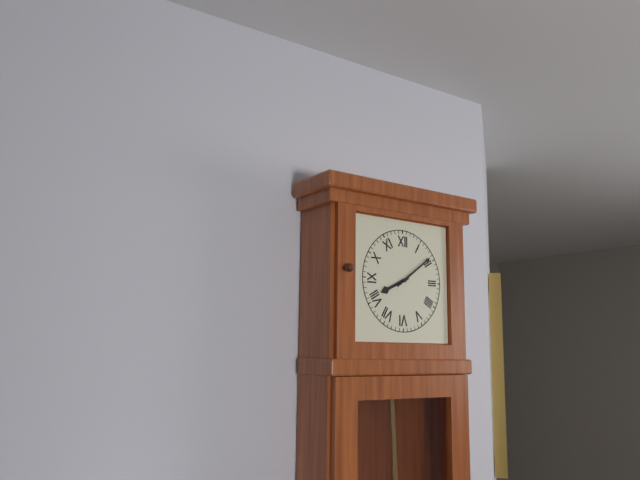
8:09
